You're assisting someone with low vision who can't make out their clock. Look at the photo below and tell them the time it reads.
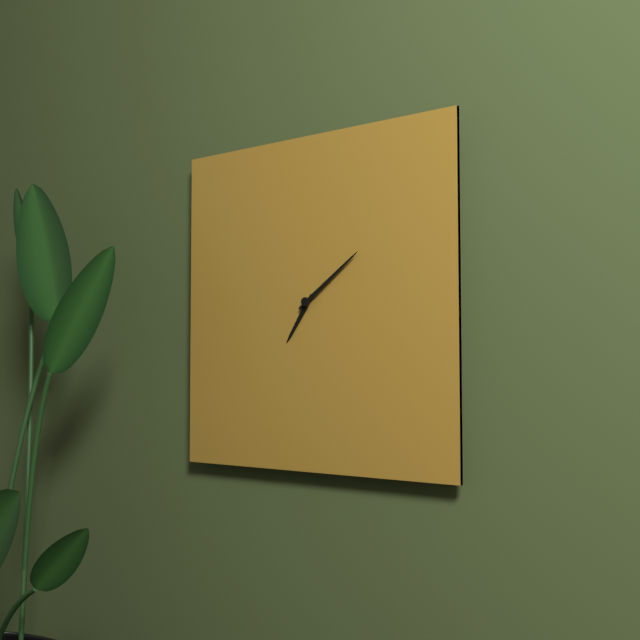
7:09
